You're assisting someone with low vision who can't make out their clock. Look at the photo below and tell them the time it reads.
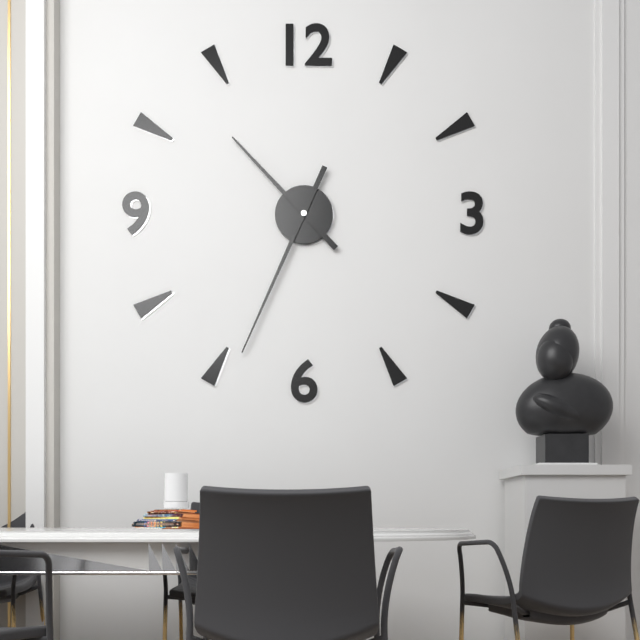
10:34
